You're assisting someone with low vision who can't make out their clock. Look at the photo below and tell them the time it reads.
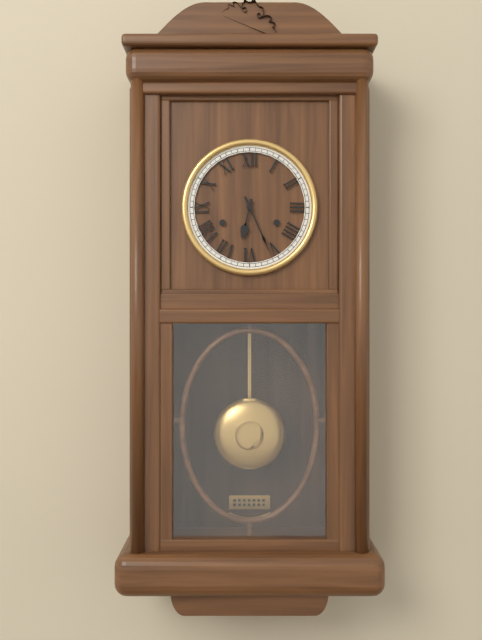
6:26
